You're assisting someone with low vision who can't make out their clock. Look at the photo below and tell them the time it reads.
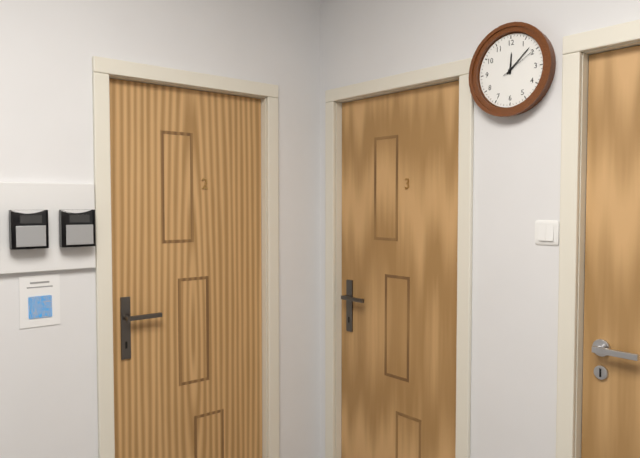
12:08
